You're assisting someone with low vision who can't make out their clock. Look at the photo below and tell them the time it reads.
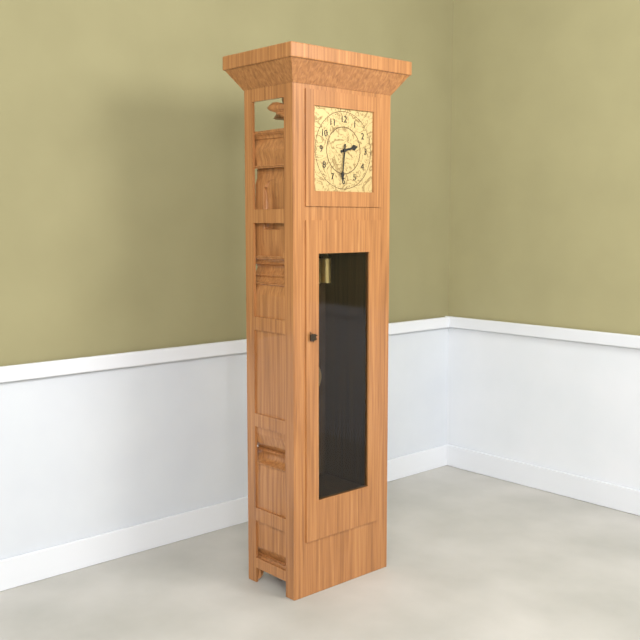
2:31
